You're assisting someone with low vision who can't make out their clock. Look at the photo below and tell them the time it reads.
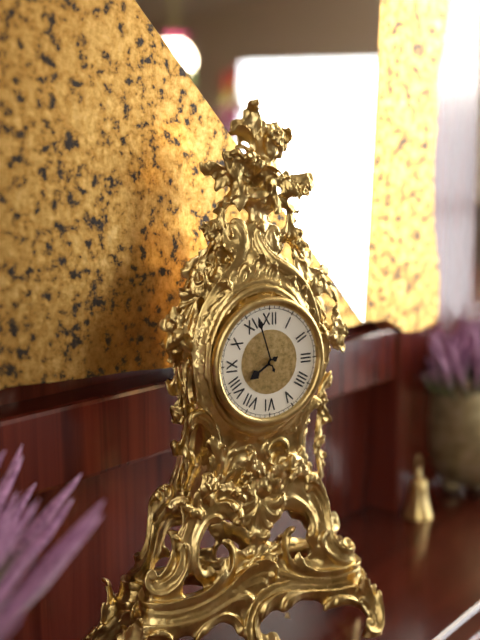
7:57
